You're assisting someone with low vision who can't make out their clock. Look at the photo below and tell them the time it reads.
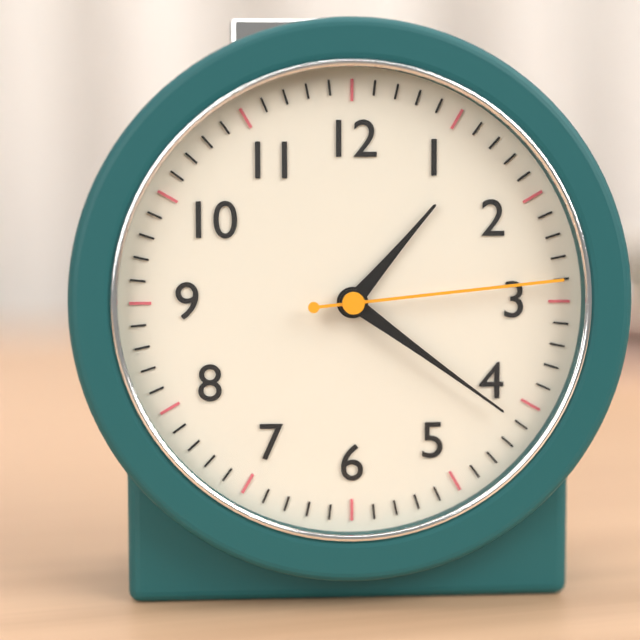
1:21:14
